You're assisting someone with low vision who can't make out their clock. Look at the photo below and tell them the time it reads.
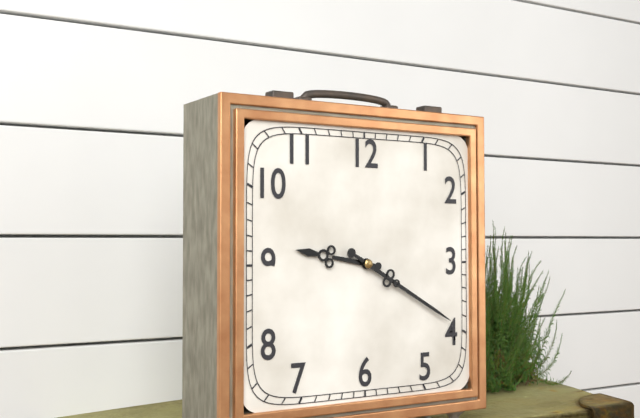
9:20
